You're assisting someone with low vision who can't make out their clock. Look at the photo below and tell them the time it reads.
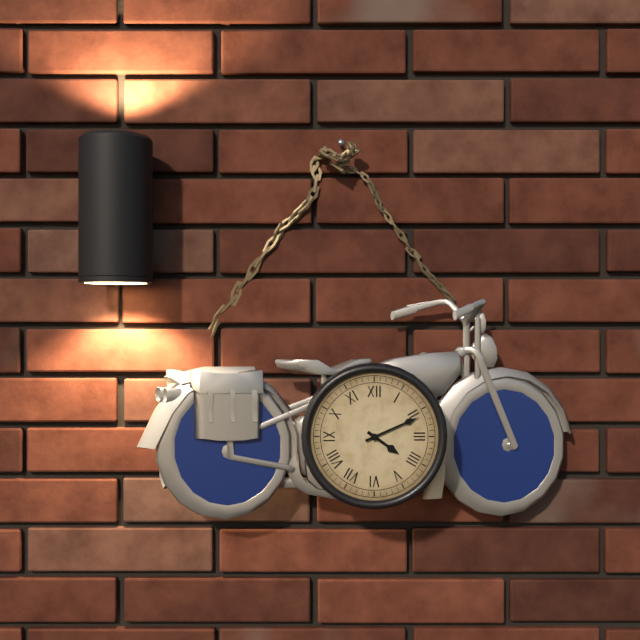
4:11
